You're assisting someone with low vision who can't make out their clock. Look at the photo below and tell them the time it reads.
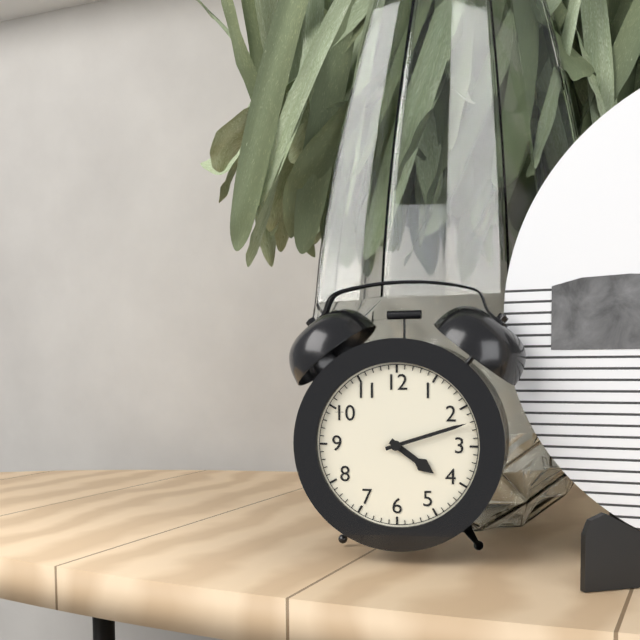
4:12
